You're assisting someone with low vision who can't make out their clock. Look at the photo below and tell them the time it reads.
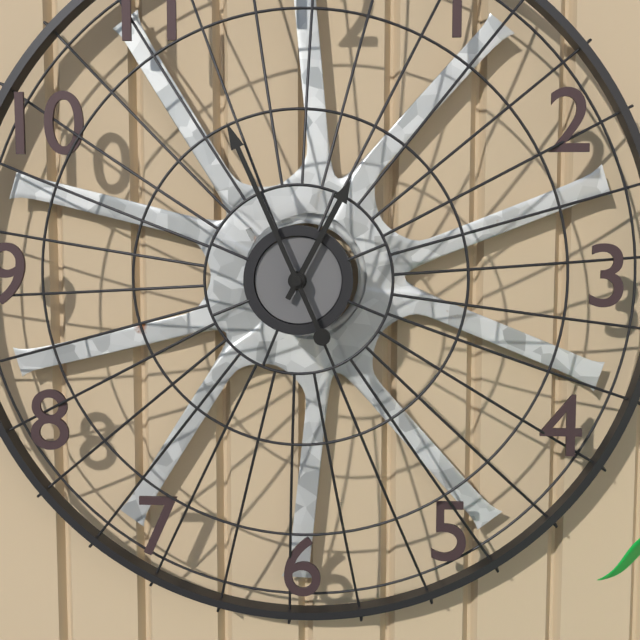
12:56
